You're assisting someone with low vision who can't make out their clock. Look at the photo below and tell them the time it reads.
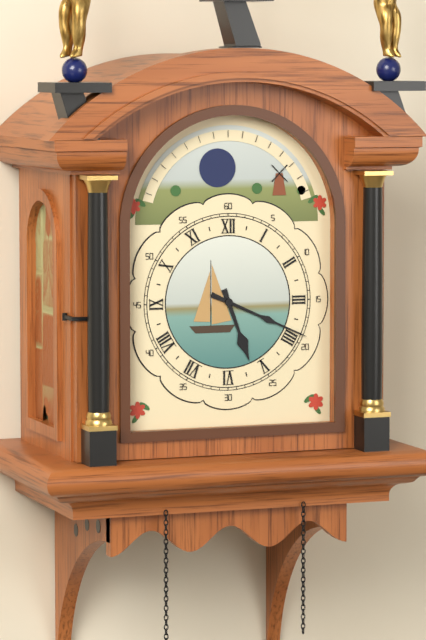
5:19
